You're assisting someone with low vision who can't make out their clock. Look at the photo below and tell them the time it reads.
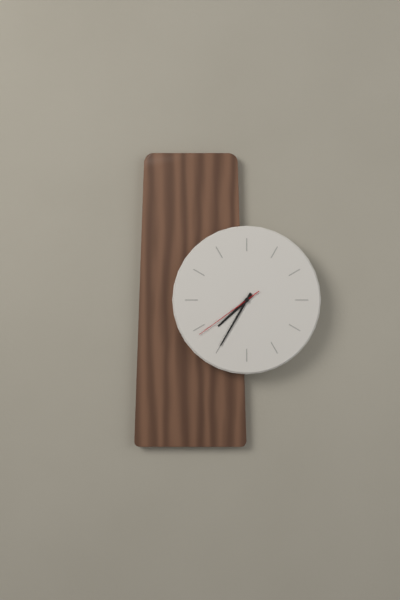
7:35:39
